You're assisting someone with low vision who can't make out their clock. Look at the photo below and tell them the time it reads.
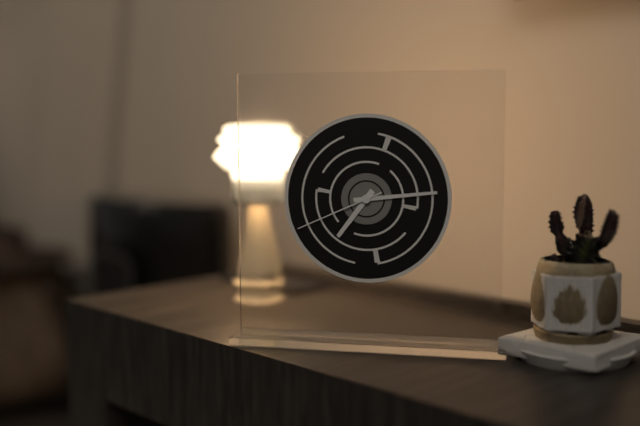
7:14:41
